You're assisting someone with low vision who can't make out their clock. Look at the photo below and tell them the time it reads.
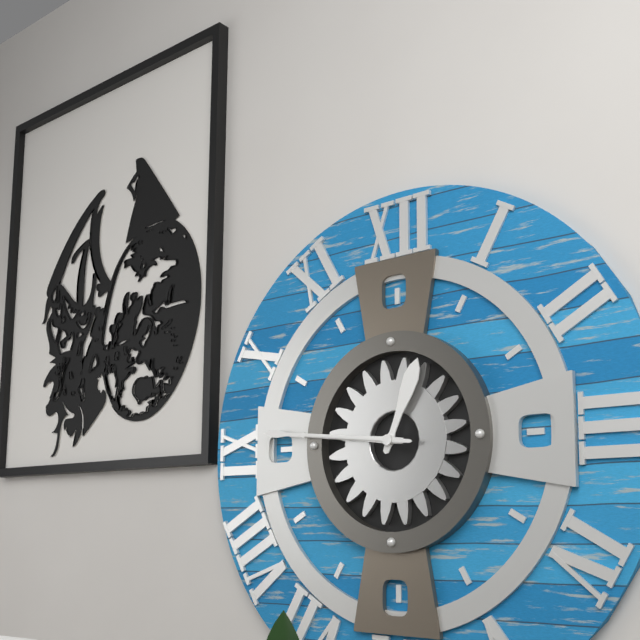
12:46:46
